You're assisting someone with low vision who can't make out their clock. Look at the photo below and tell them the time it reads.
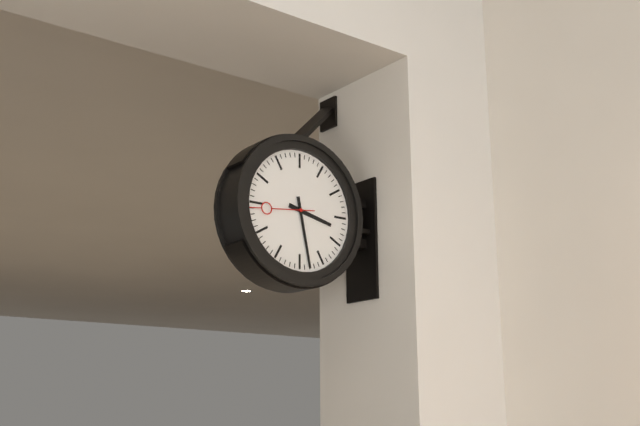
3:28:44
